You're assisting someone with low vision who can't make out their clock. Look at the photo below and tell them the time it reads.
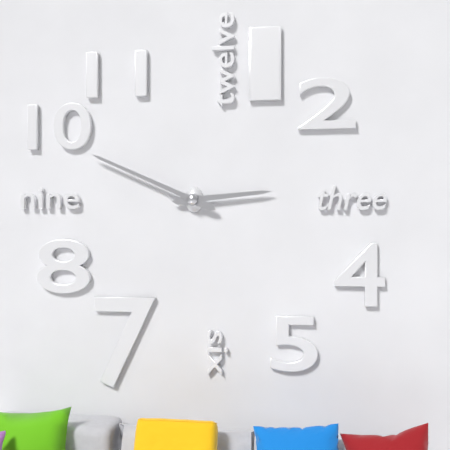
2:49
